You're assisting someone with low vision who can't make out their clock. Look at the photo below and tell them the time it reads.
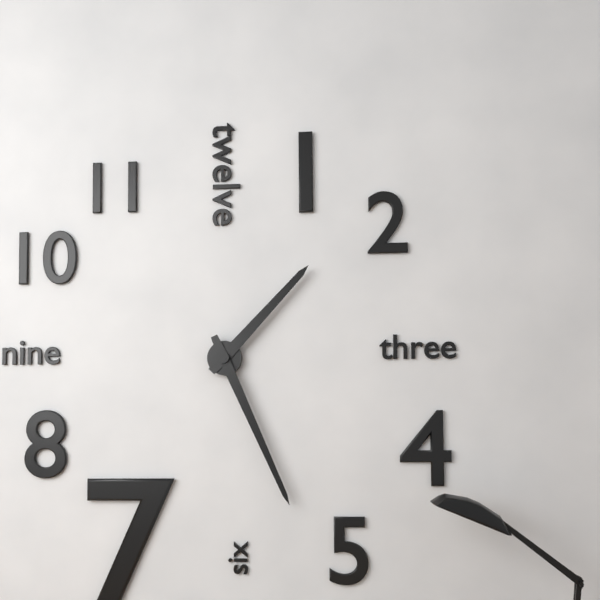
1:26
